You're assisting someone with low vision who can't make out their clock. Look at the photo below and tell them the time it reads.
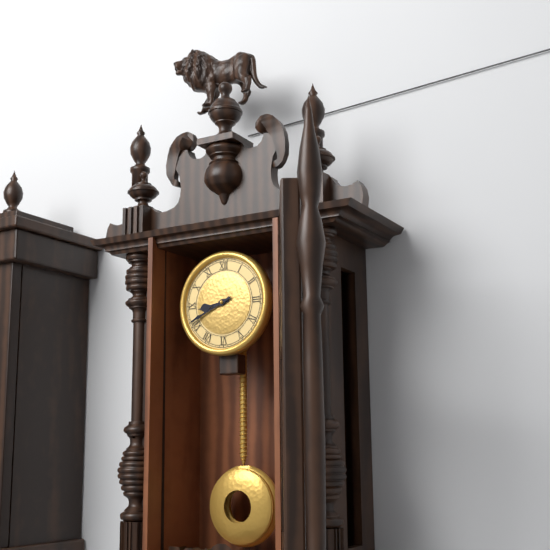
8:41
